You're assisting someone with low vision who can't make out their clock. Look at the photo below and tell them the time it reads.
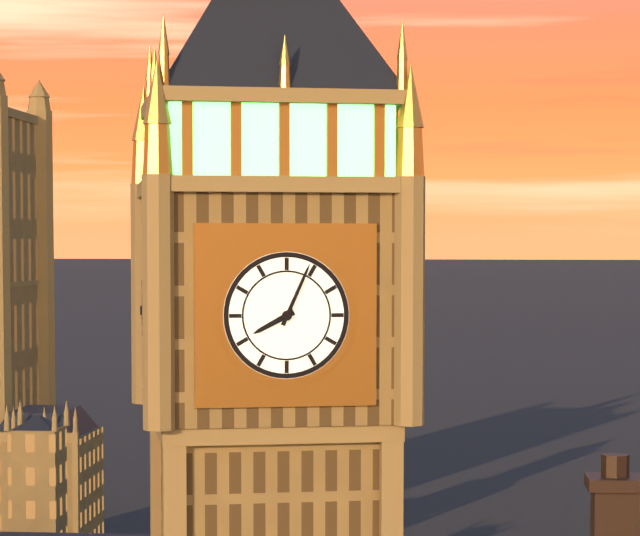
8:04
